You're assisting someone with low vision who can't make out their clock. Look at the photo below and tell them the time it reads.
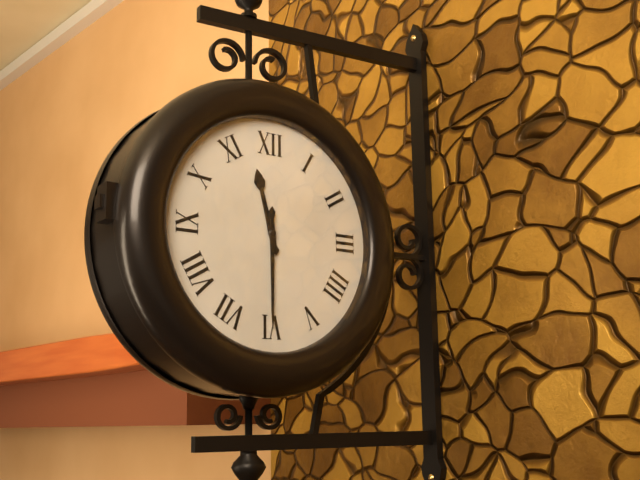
11:30
